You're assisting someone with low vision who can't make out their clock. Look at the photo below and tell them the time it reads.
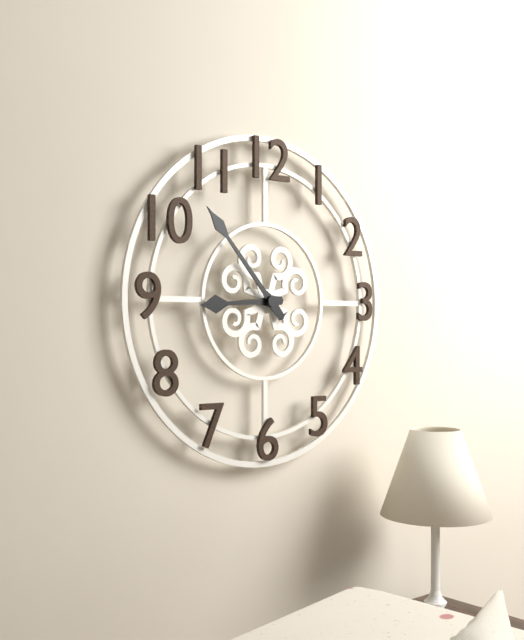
8:53
